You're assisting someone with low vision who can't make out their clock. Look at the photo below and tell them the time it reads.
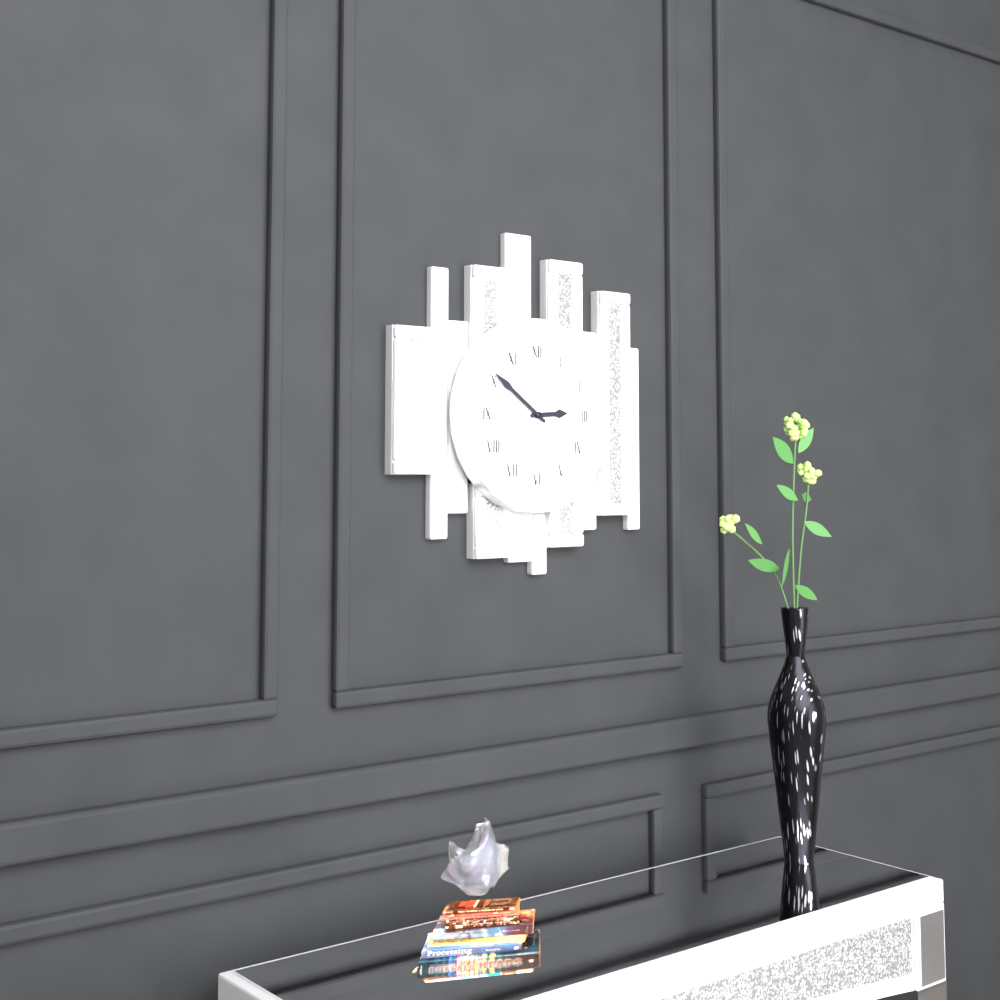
2:51
